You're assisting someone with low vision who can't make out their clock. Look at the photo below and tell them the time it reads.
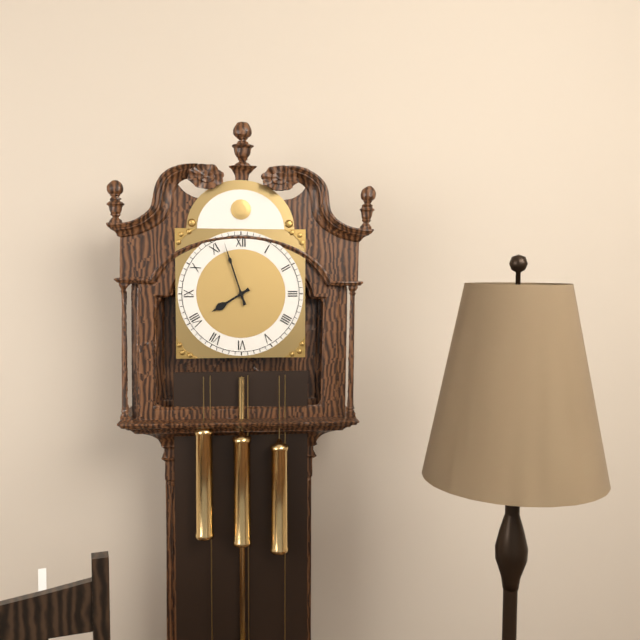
7:57
